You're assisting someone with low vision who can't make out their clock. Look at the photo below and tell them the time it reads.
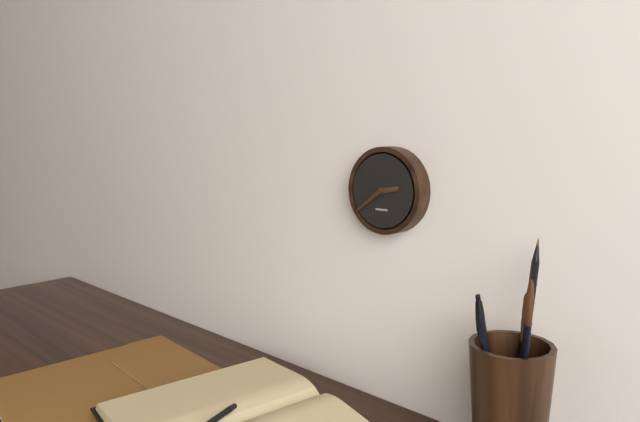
2:39
